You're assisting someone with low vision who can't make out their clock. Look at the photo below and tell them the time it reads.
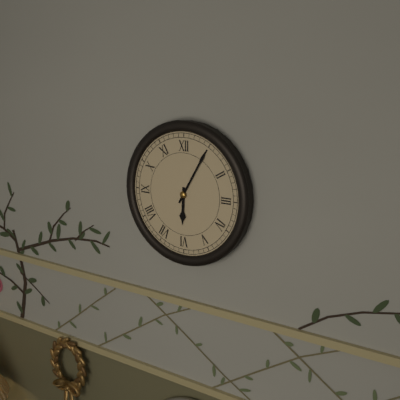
6:05
